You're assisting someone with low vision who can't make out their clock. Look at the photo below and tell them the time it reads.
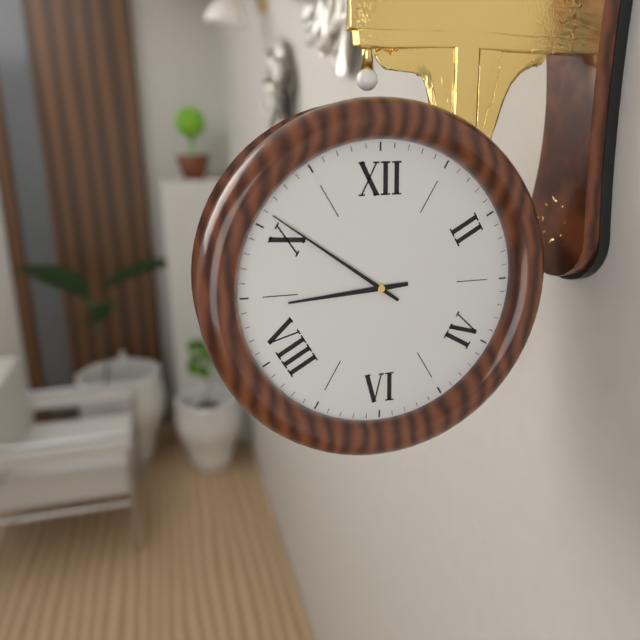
8:51
